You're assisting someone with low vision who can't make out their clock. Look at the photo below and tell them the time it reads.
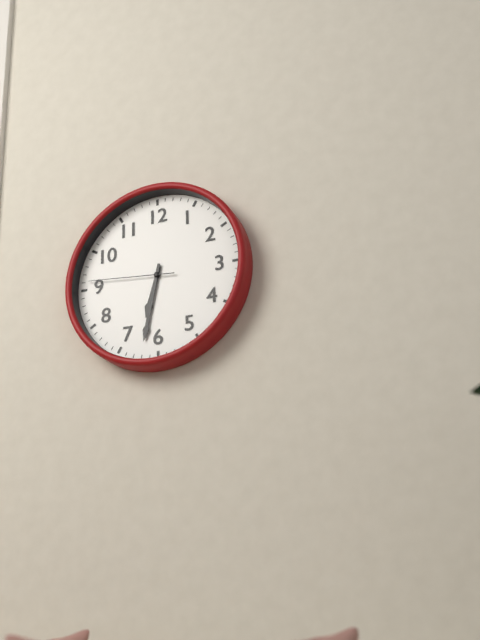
6:32:46
